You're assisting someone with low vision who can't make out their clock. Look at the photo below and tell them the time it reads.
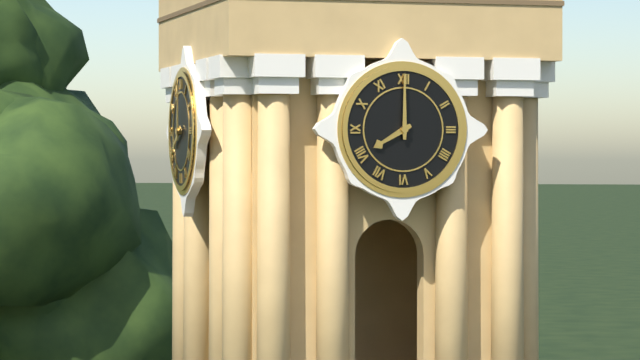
8:00
